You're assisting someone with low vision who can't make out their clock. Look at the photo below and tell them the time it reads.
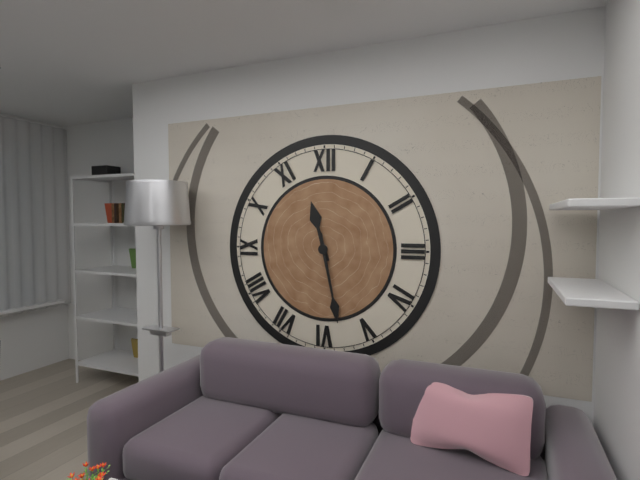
11:28
